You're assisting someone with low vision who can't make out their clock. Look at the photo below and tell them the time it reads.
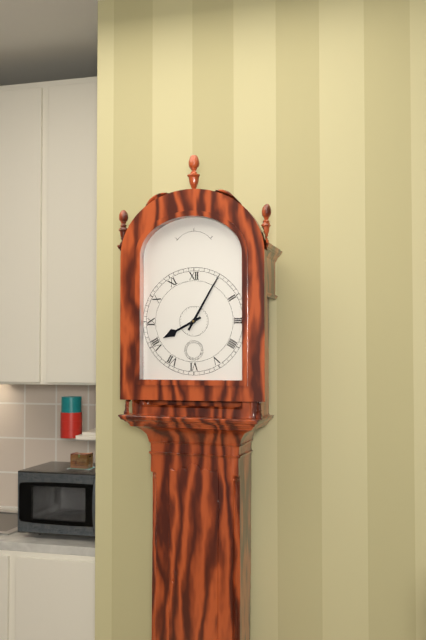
8:05
